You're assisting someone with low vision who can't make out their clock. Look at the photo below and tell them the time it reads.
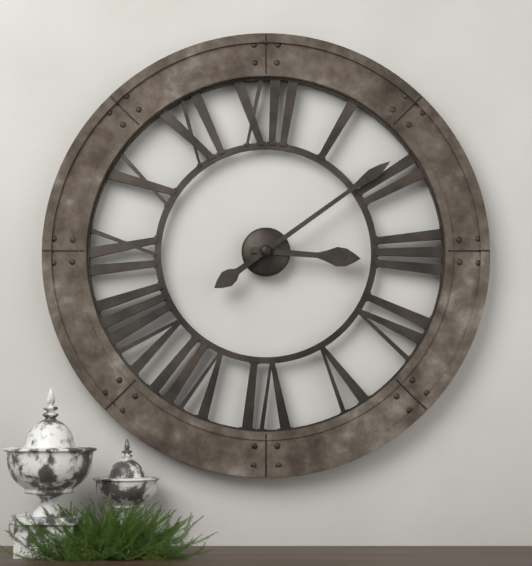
3:09
